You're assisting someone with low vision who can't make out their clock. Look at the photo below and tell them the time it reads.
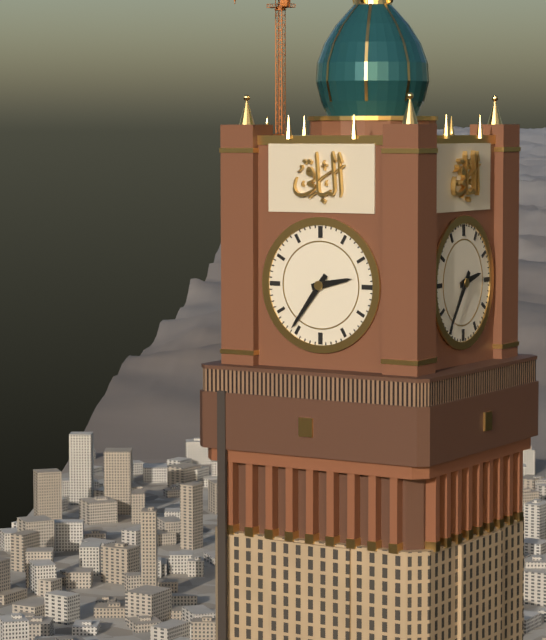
2:36
